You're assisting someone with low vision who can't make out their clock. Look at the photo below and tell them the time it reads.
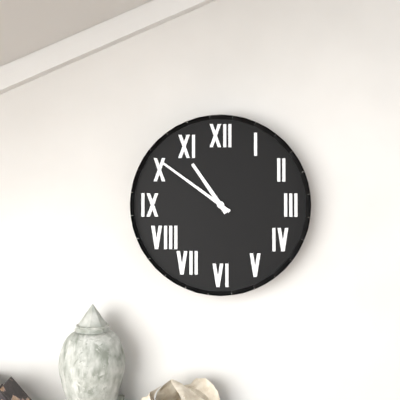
10:51
